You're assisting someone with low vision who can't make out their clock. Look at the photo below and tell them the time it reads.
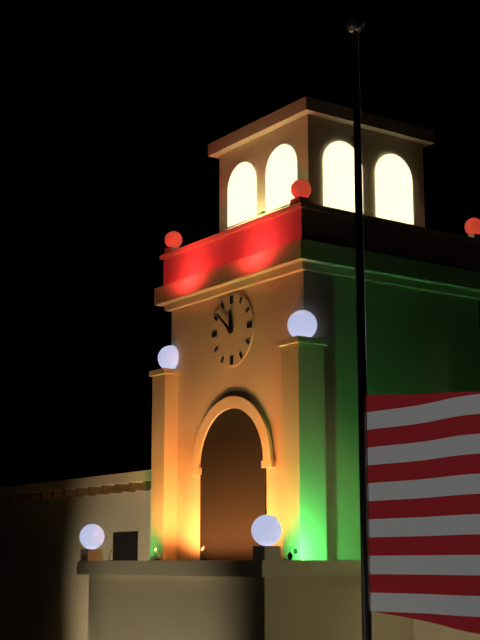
11:52
